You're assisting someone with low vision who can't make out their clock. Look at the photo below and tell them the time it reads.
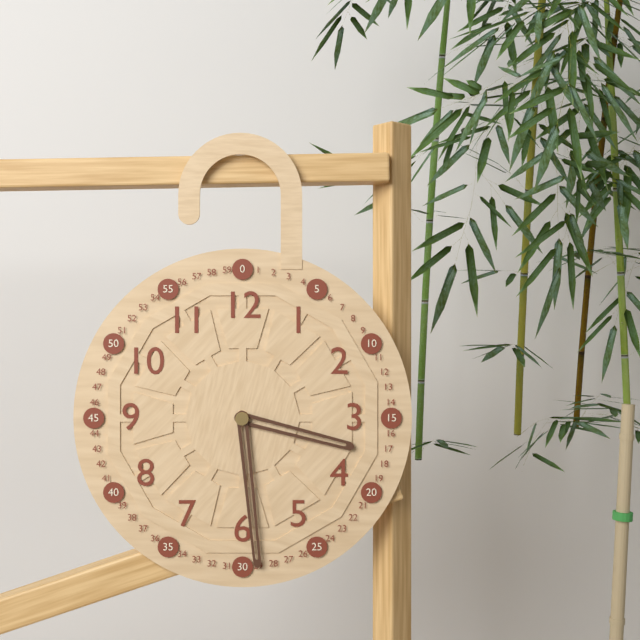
3:29
